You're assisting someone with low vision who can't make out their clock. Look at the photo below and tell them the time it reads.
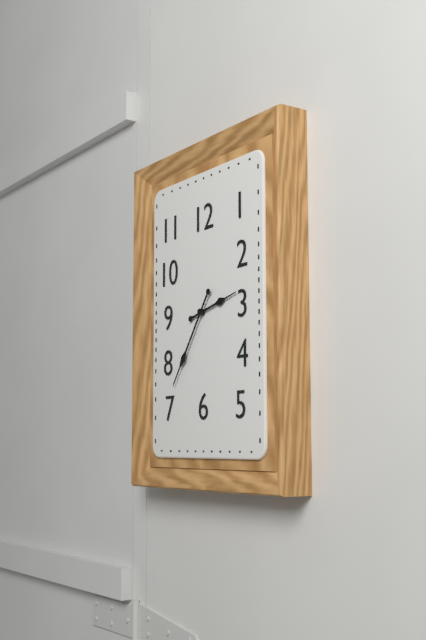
2:36
